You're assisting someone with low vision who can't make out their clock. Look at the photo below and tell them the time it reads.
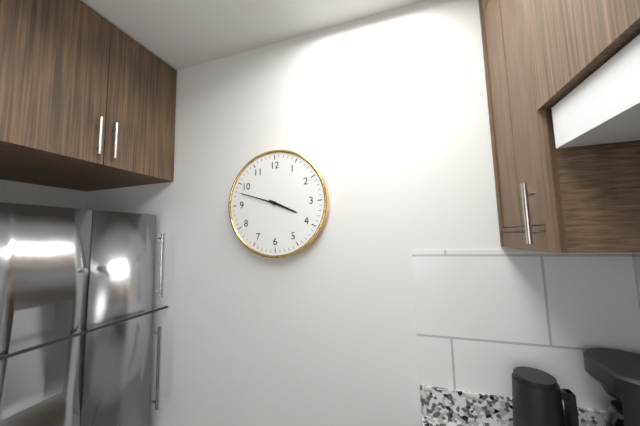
3:48
